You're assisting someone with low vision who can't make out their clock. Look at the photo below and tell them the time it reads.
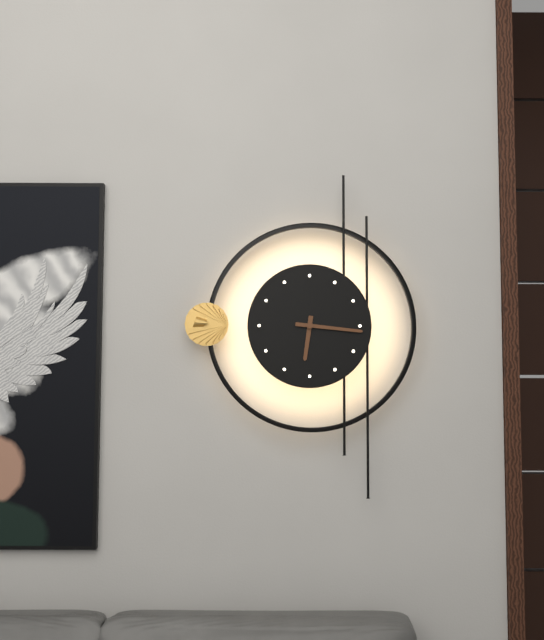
6:16
